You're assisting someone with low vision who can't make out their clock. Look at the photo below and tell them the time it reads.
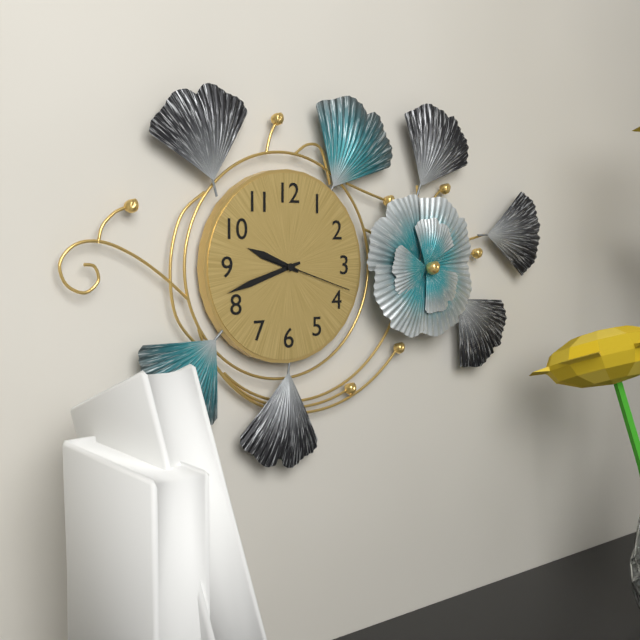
9:42:18
